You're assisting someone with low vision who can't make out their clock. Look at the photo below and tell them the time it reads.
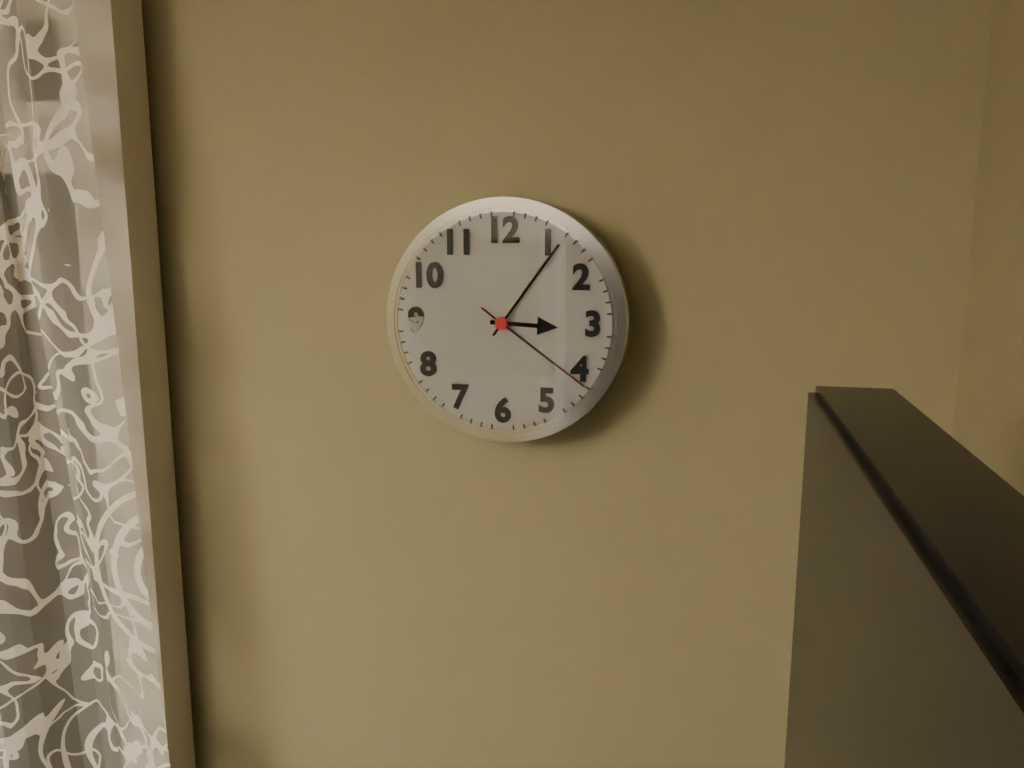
3:06:21
